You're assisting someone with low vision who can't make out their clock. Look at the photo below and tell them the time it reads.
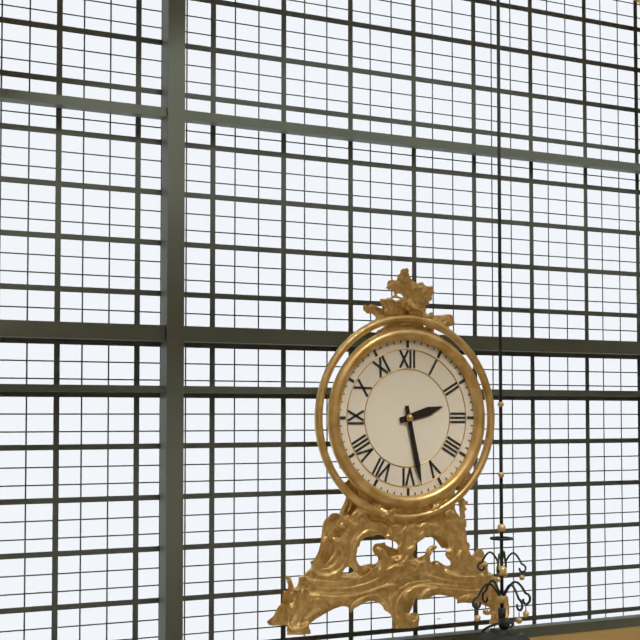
2:28
